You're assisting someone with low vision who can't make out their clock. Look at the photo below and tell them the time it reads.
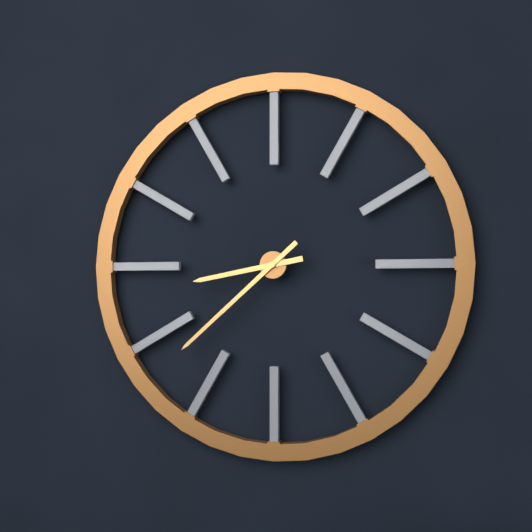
8:38
